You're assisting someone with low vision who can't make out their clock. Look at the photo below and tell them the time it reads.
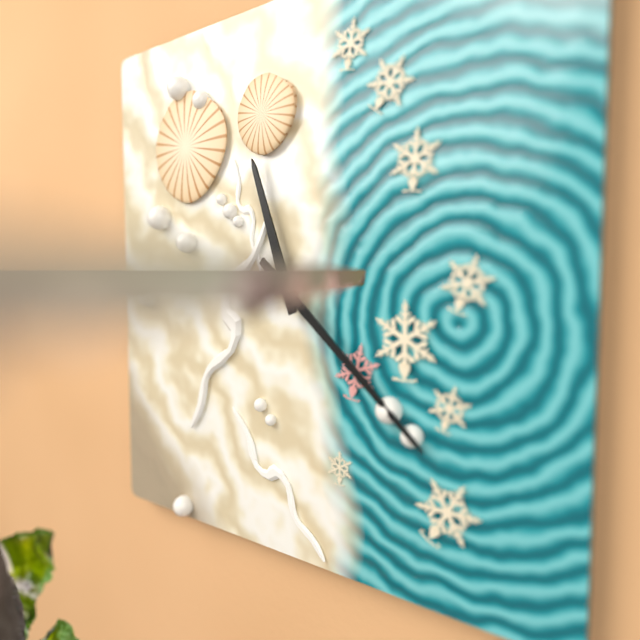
11:22
